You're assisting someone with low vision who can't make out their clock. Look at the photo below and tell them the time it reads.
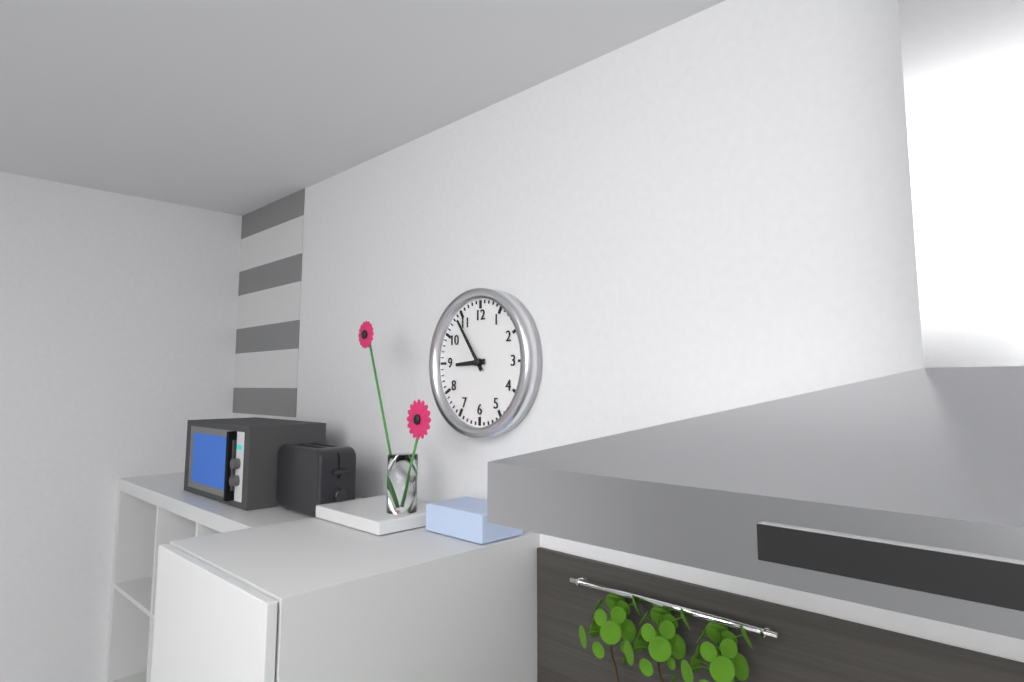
8:54
